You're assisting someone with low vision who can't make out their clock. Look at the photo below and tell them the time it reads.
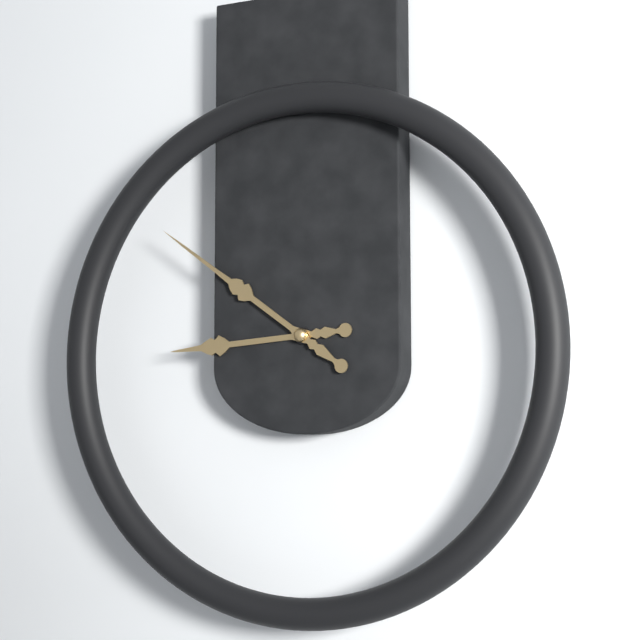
8:51
